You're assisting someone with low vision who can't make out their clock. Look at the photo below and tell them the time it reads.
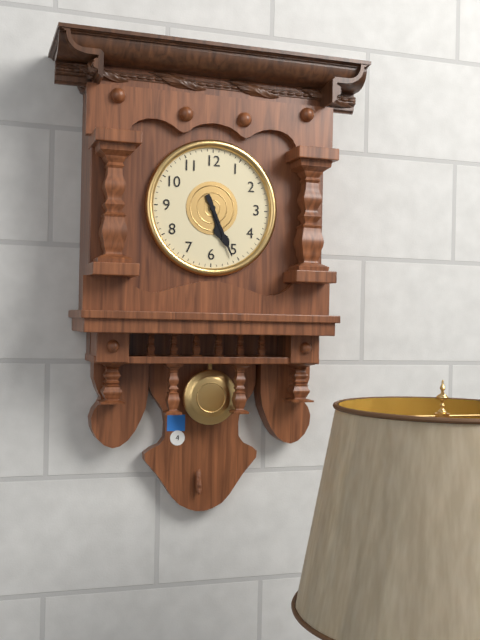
5:26
